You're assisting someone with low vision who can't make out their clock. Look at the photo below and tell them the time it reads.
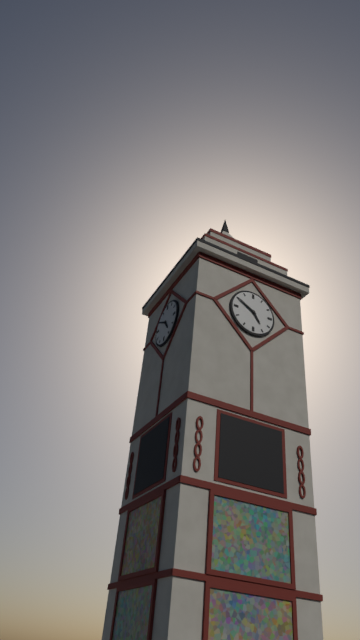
4:50
